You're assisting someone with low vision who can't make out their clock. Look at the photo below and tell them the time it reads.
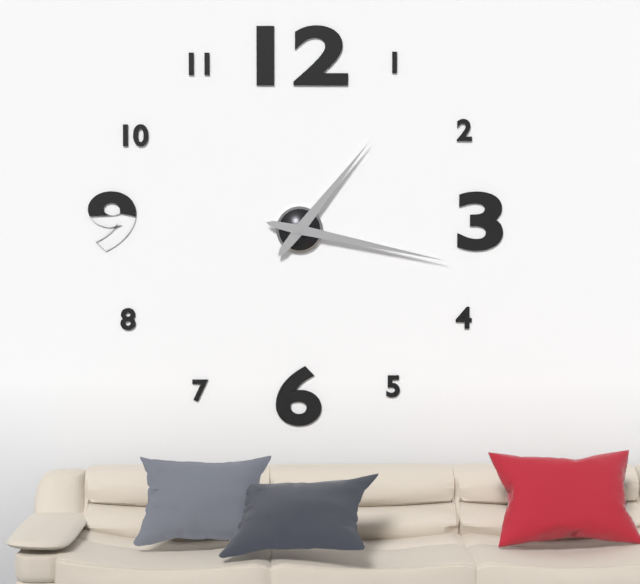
1:17
